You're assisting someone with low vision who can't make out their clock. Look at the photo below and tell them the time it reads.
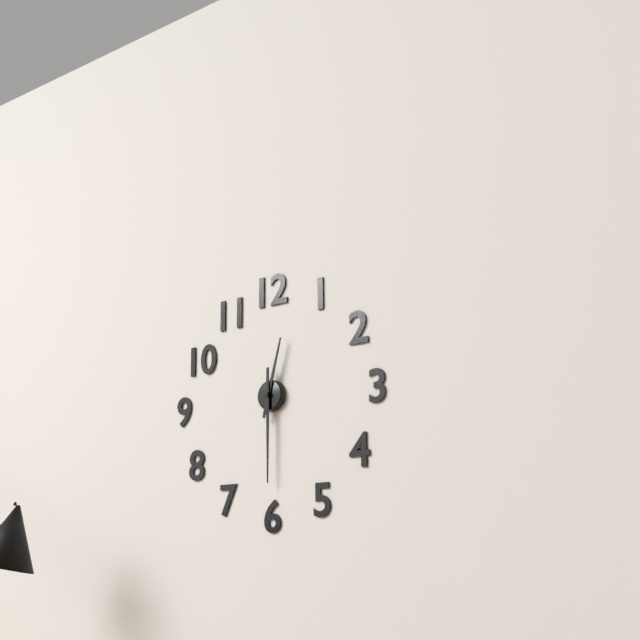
12:30
